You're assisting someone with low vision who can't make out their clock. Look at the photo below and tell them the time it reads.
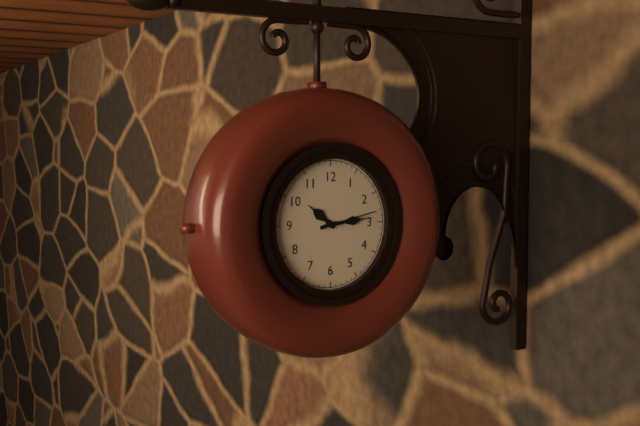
10:14:13
